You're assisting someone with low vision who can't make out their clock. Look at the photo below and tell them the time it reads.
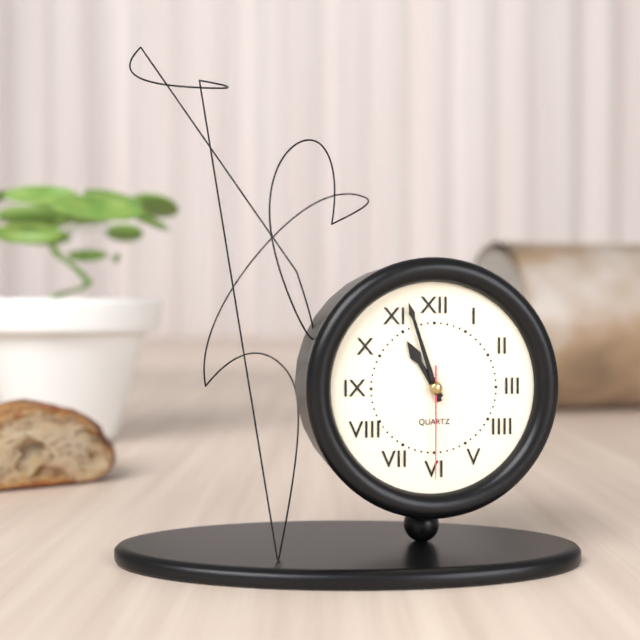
10:57:30
